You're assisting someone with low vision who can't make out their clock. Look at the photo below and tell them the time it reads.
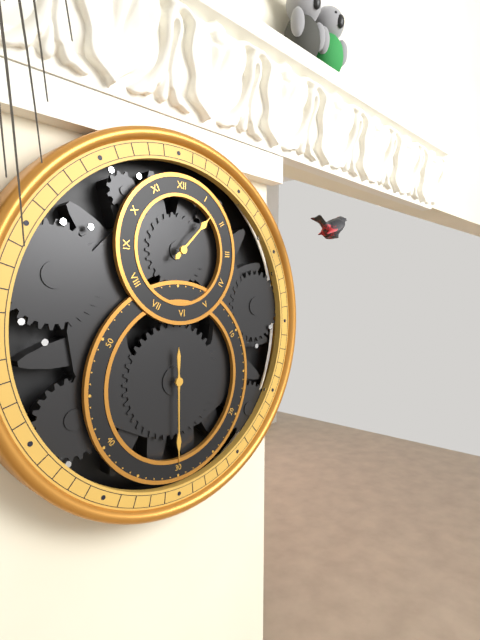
1:30
